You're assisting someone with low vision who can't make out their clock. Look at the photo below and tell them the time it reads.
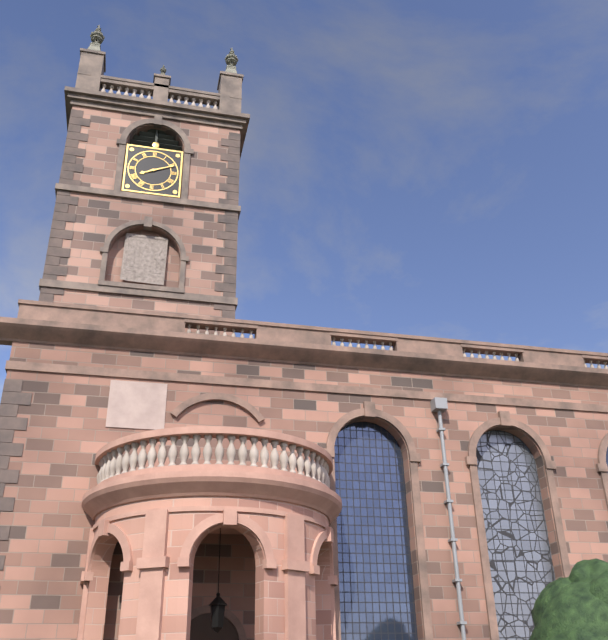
8:11
